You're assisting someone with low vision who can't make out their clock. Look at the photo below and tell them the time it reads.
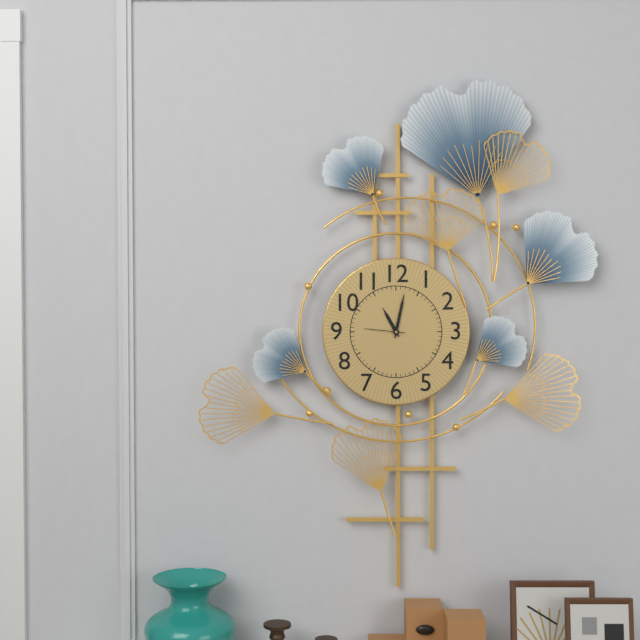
11:02
